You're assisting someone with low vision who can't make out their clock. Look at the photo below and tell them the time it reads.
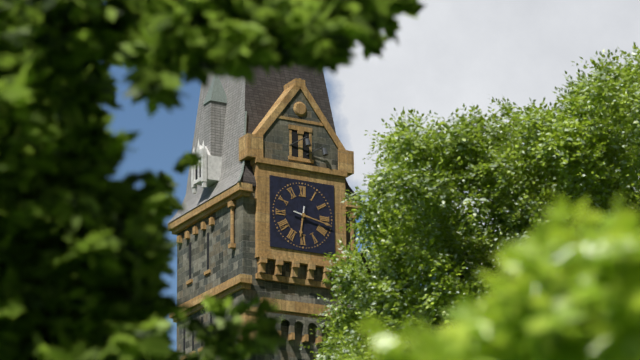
6:17
